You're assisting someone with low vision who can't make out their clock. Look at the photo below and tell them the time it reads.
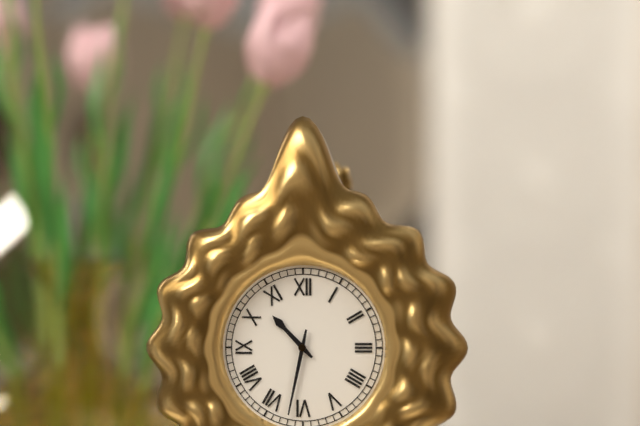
10:32
